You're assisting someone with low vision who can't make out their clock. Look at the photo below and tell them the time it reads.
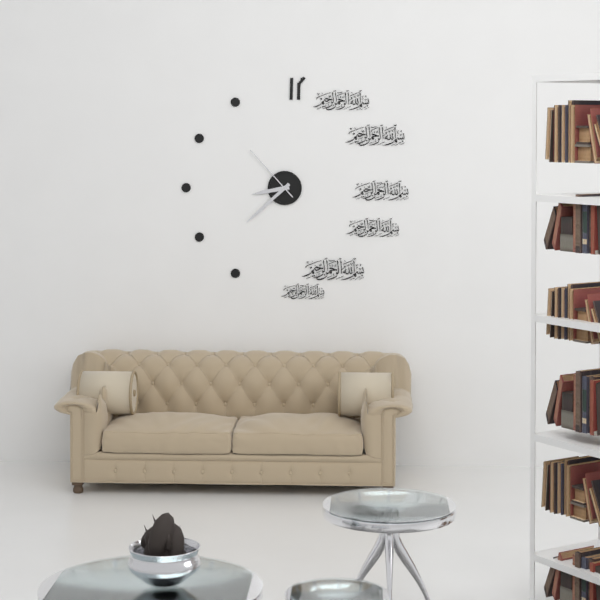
8:38:53
